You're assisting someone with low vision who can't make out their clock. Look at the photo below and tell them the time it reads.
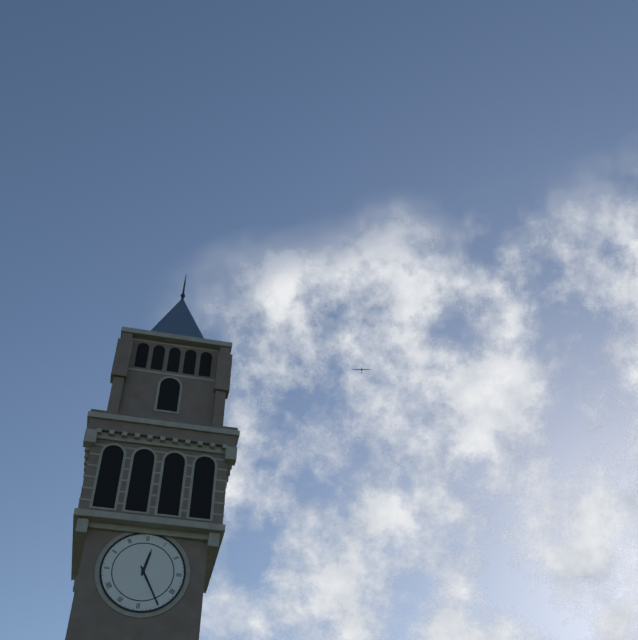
12:25
